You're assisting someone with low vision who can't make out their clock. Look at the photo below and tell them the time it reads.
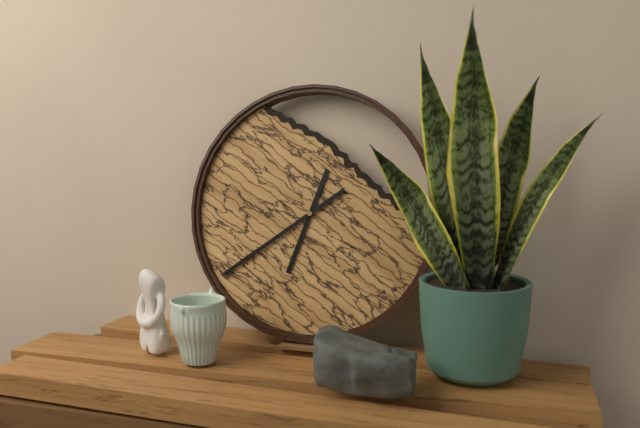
6:39
